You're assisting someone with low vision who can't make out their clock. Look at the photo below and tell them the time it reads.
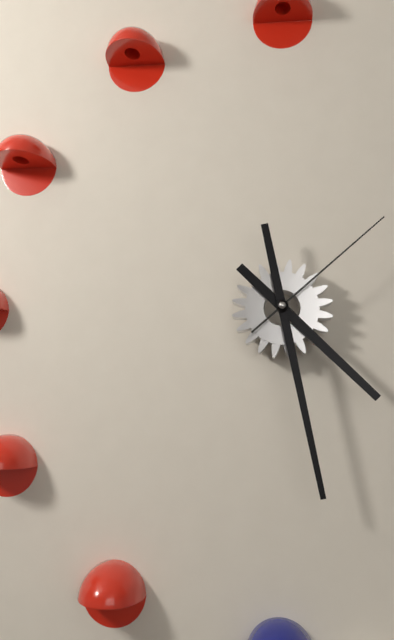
4:28:08
